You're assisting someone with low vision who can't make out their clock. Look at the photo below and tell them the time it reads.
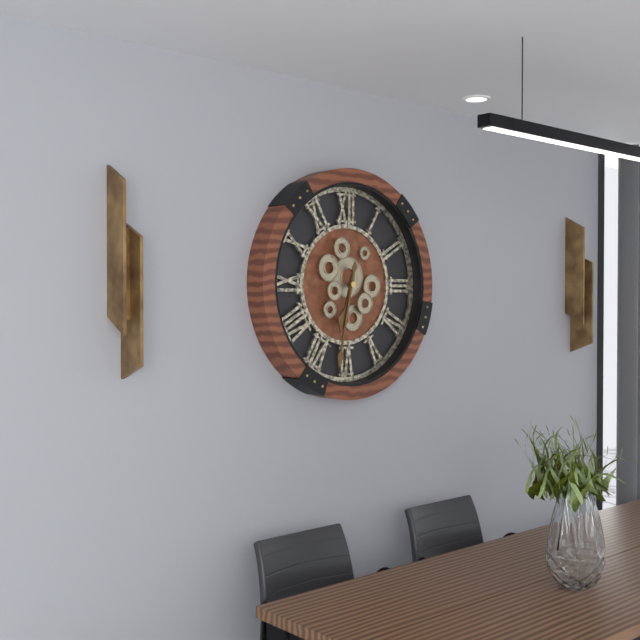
6:32
